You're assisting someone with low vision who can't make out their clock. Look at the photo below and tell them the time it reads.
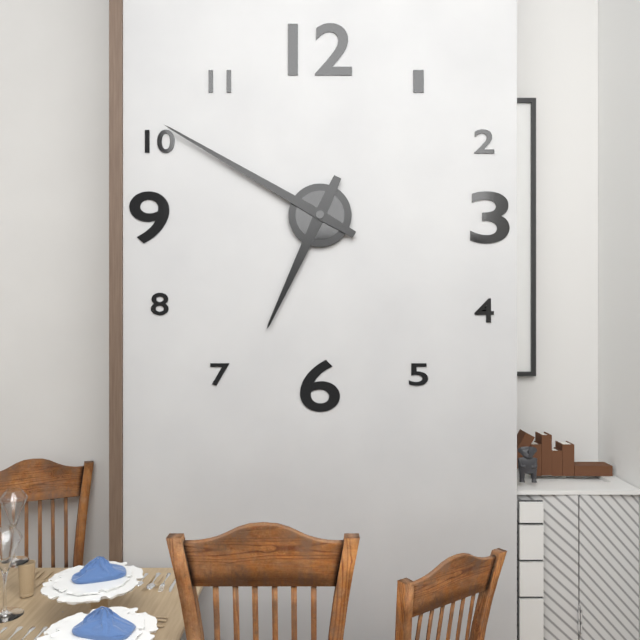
6:50
